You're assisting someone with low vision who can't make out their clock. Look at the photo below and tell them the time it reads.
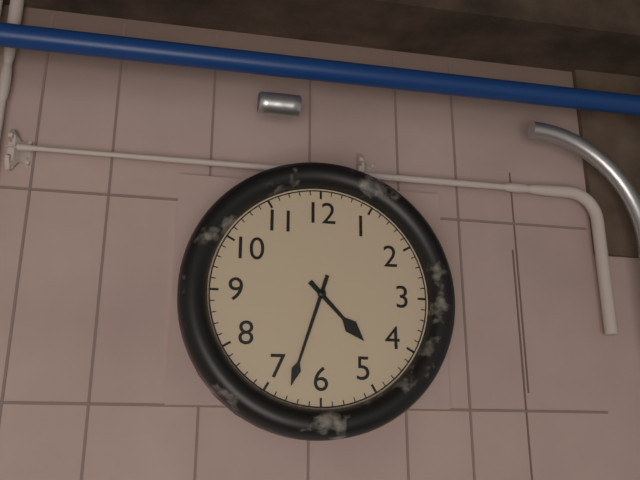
4:33
